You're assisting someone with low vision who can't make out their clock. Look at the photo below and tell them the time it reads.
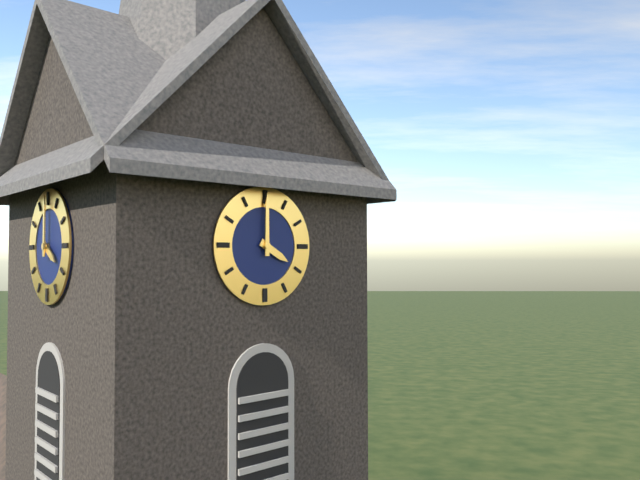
4:00
